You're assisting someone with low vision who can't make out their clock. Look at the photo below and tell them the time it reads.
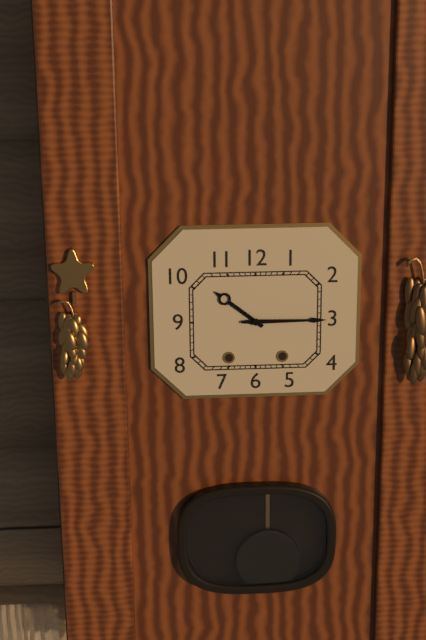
10:15
